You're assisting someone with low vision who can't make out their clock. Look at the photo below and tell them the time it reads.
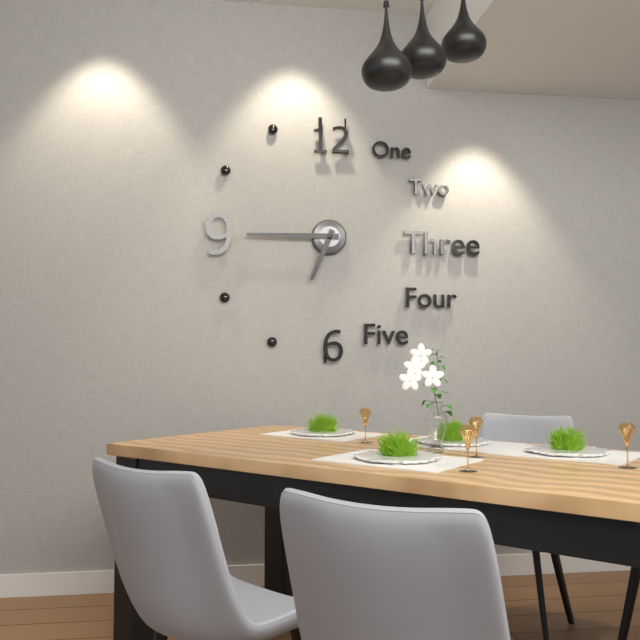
6:45
